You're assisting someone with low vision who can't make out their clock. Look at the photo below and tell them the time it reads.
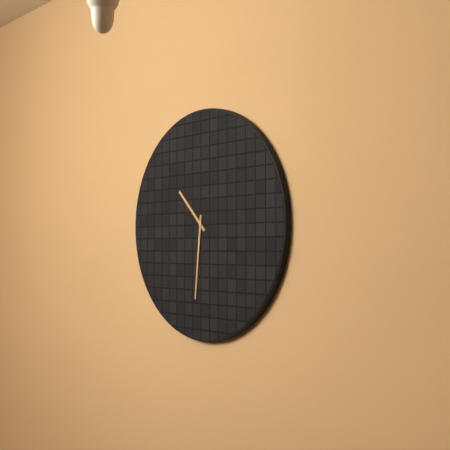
10:31
